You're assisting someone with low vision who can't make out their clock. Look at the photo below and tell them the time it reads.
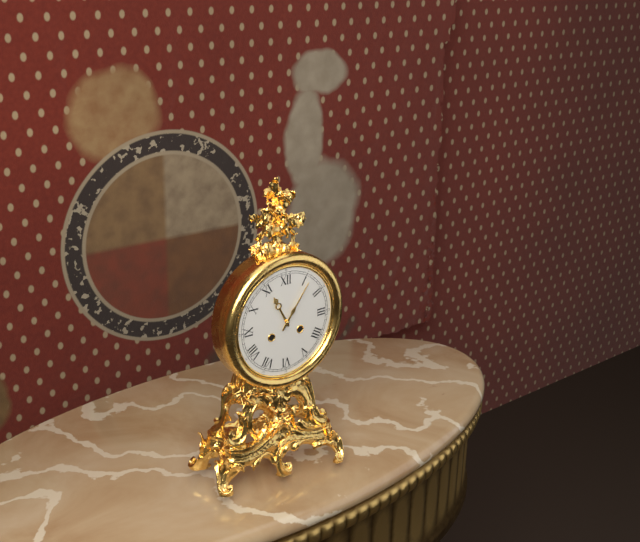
11:06
